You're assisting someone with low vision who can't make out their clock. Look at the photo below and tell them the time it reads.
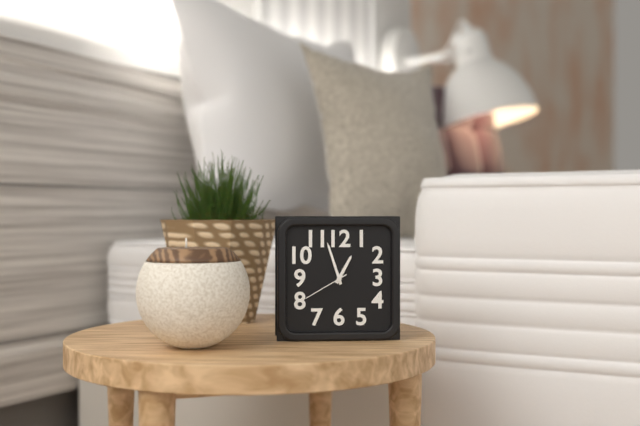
12:57:40
